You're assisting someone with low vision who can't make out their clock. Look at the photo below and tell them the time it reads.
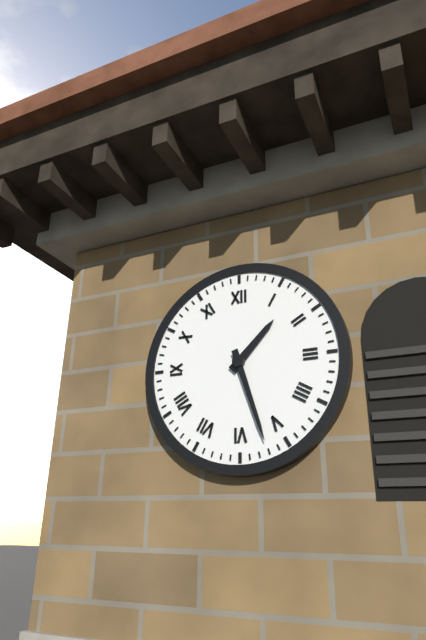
1:27
